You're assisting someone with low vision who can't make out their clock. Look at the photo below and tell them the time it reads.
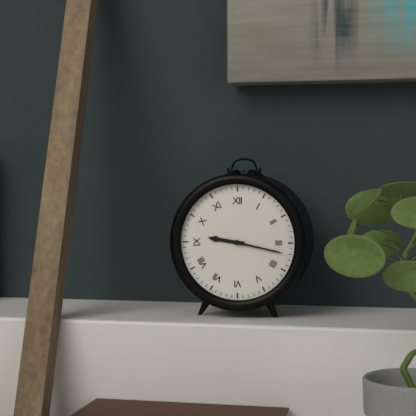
9:17
